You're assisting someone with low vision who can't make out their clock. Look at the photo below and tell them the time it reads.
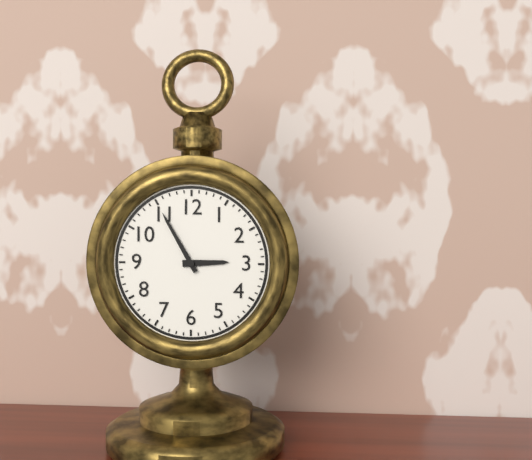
2:55
